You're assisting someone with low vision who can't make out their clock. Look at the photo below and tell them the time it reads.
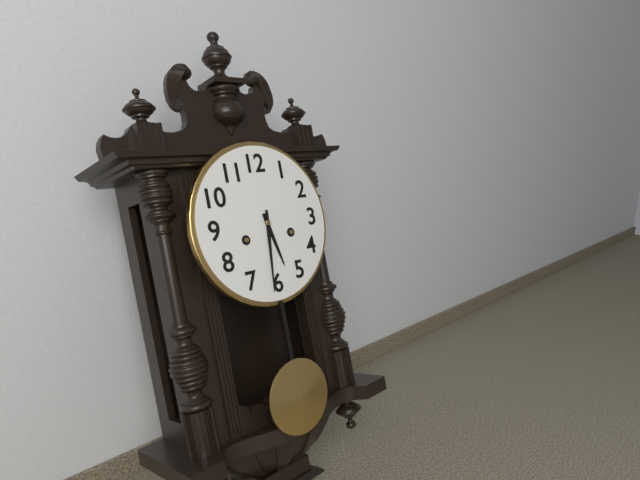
5:31
